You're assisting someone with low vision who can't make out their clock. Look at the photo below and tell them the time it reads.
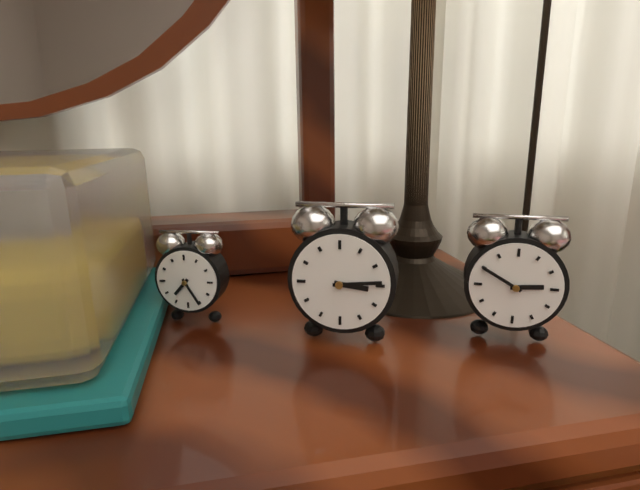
3:14
